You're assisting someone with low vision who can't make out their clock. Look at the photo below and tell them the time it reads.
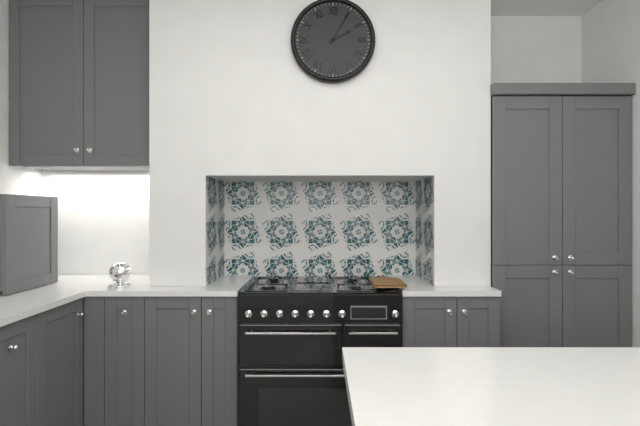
2:05
